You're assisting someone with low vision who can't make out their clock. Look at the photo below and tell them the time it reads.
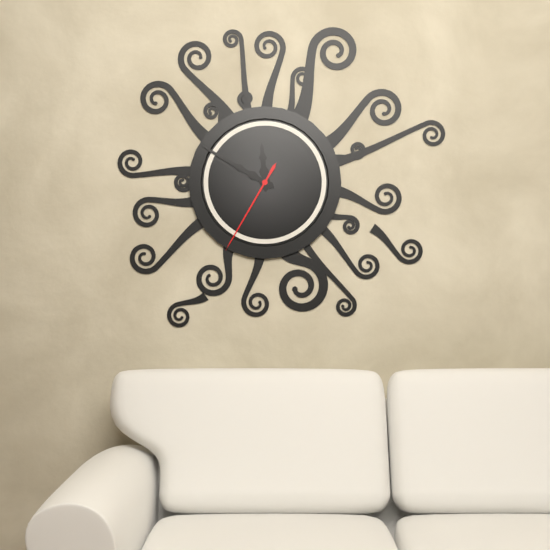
11:50:35
